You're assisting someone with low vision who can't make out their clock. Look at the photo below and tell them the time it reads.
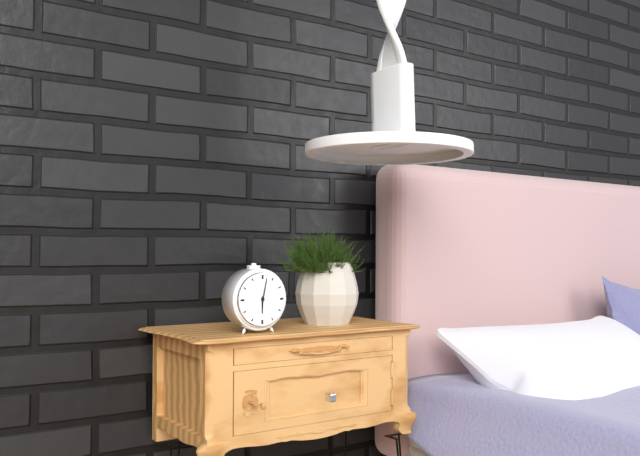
6:02
